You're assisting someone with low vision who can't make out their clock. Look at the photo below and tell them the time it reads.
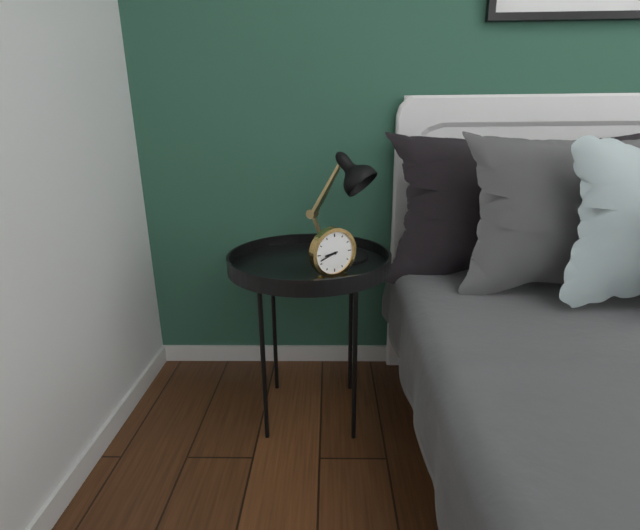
8:42
